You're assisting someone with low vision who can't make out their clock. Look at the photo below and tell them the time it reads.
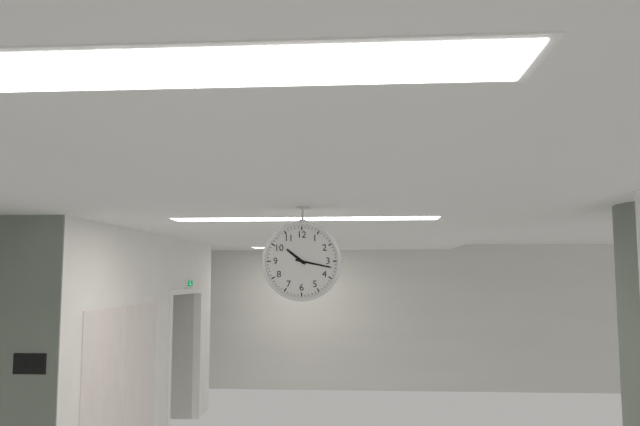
10:17
